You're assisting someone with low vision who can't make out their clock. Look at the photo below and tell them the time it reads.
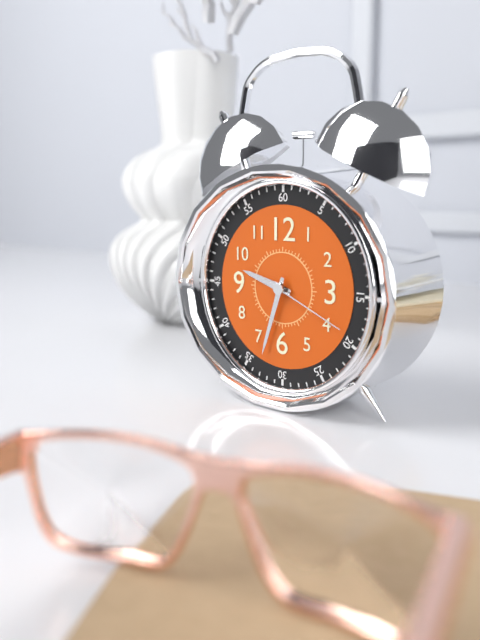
9:33:19
